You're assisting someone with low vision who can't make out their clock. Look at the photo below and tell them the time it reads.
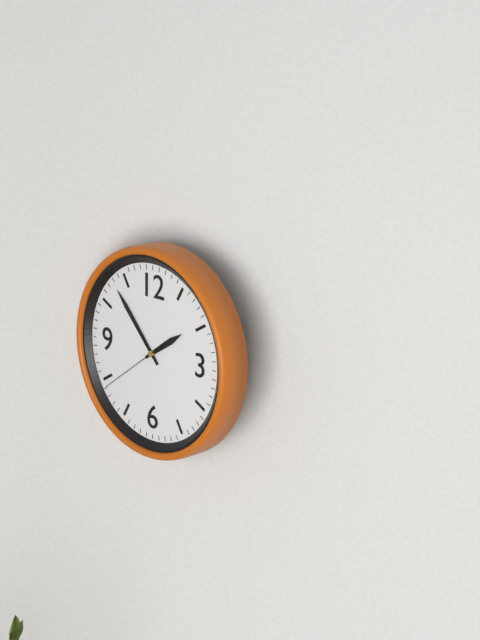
1:53:39
